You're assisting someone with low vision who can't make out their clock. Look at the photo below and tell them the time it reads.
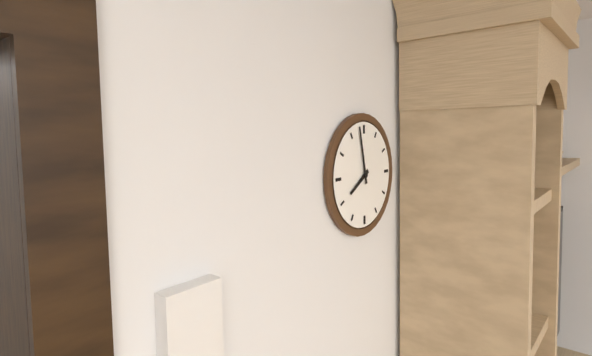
7:58
